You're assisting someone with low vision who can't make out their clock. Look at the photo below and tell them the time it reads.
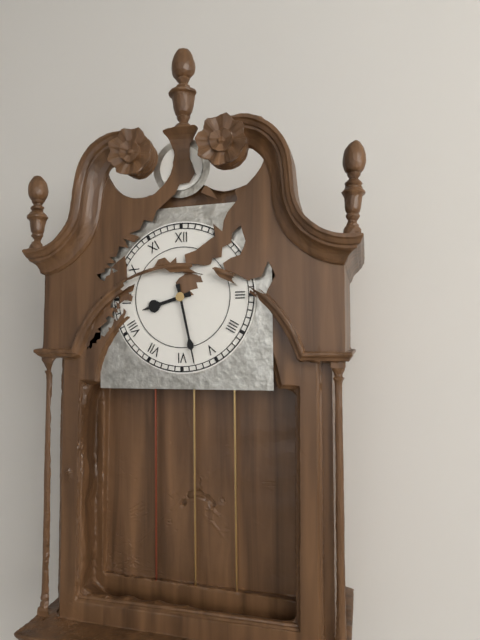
8:28
